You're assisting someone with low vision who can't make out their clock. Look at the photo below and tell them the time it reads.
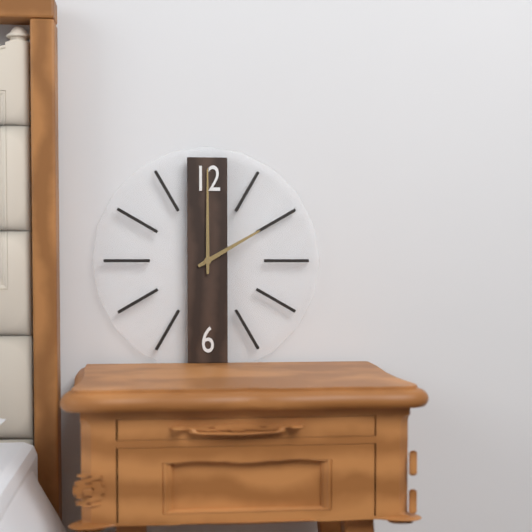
2:00
